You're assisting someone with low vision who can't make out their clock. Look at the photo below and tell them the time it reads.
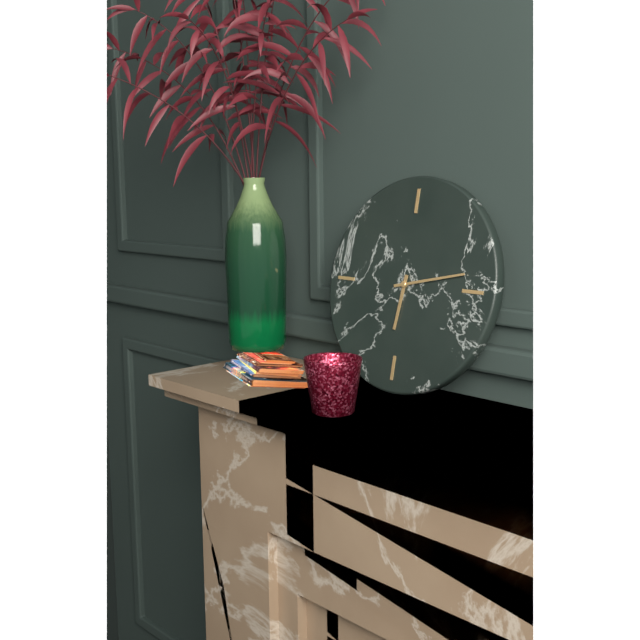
6:13
